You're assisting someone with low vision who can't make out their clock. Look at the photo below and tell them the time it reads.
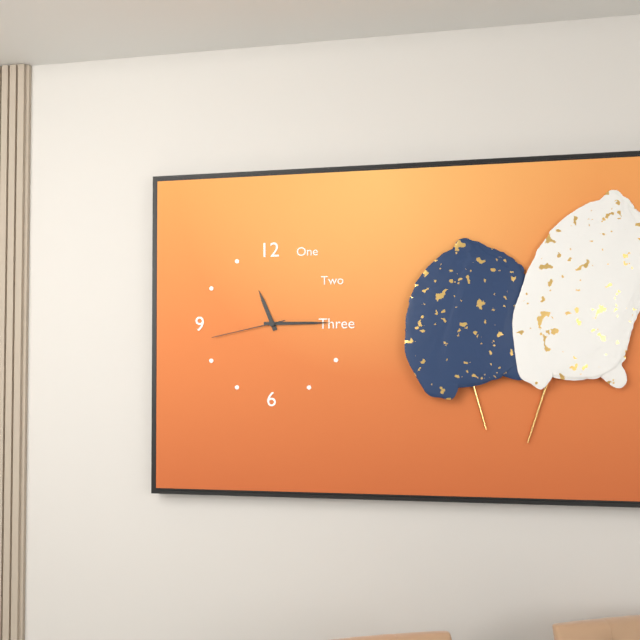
11:15:43
